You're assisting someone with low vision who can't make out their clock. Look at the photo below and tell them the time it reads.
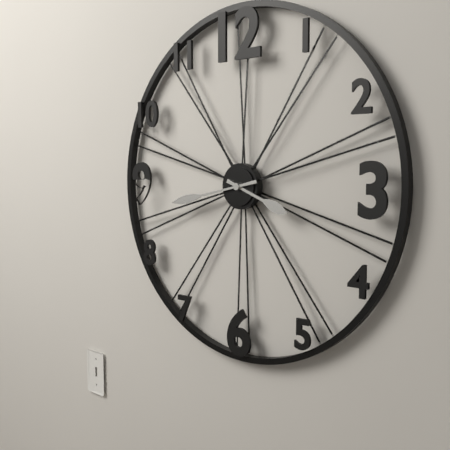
3:43
